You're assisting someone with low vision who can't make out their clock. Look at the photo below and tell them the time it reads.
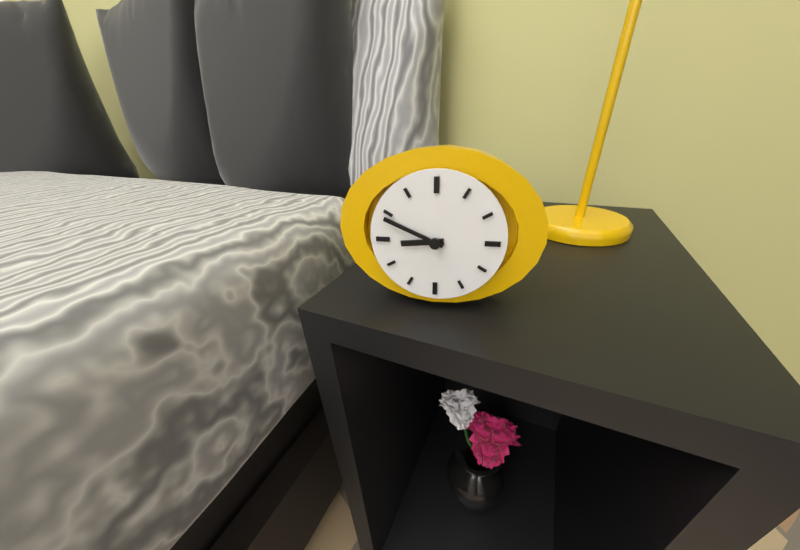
8:49
